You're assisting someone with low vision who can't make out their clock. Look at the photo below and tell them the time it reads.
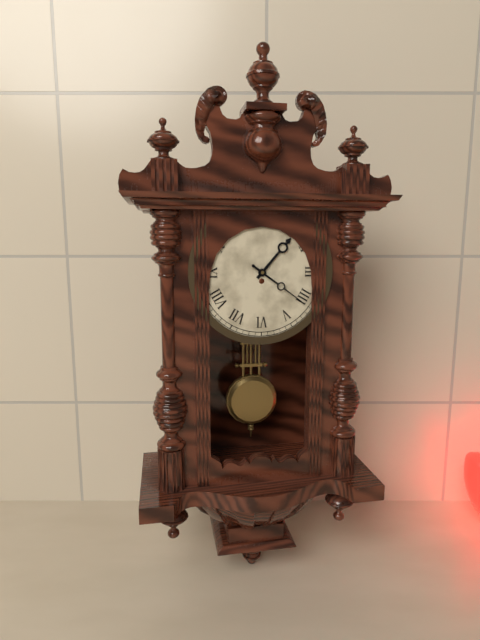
1:21
